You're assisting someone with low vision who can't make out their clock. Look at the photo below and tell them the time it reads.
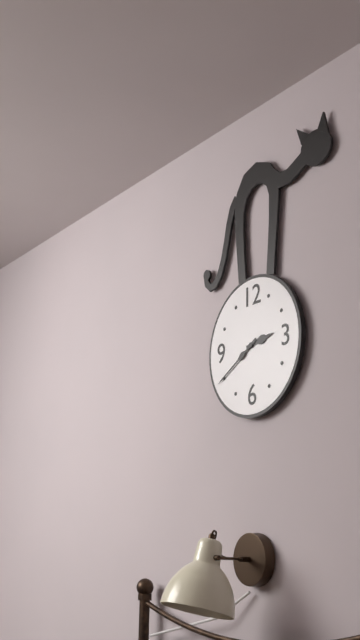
2:40
